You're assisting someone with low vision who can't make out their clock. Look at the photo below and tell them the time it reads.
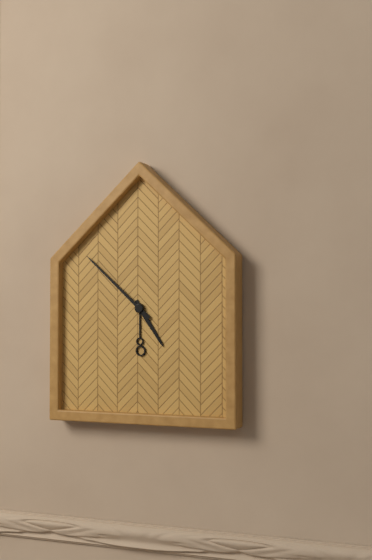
4:52
